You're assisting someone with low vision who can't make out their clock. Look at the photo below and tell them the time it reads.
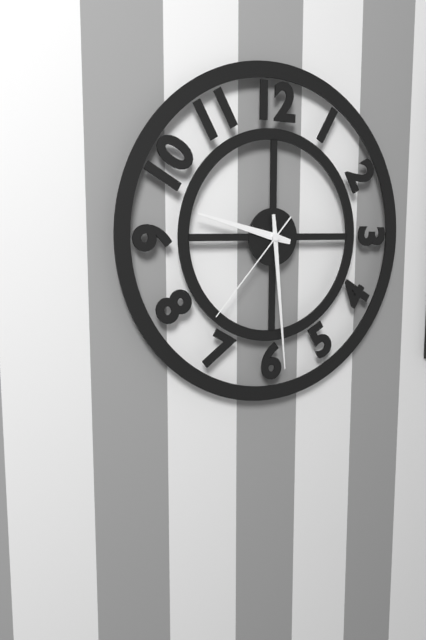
9:29:37
